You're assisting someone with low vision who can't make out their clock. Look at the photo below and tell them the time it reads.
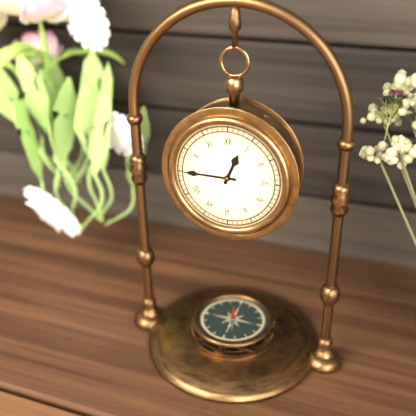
12:45
